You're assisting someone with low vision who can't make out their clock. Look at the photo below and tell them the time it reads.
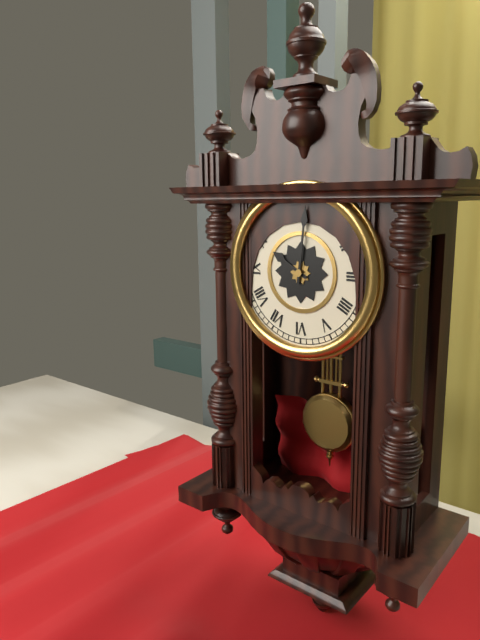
10:01
